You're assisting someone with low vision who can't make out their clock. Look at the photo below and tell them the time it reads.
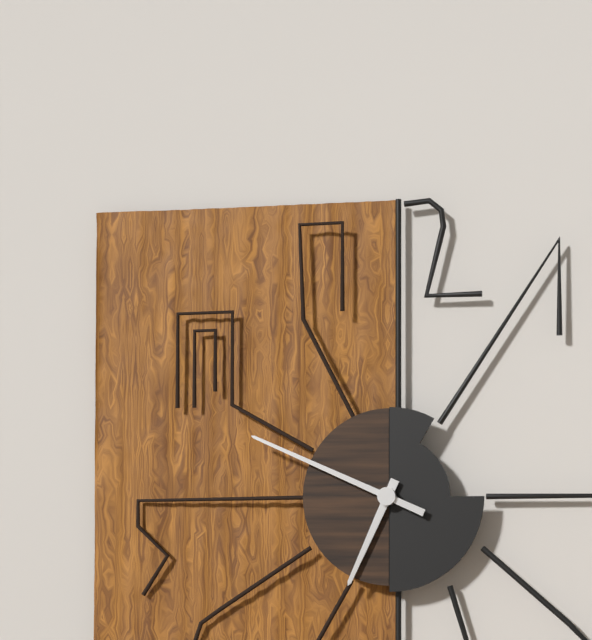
6:49
